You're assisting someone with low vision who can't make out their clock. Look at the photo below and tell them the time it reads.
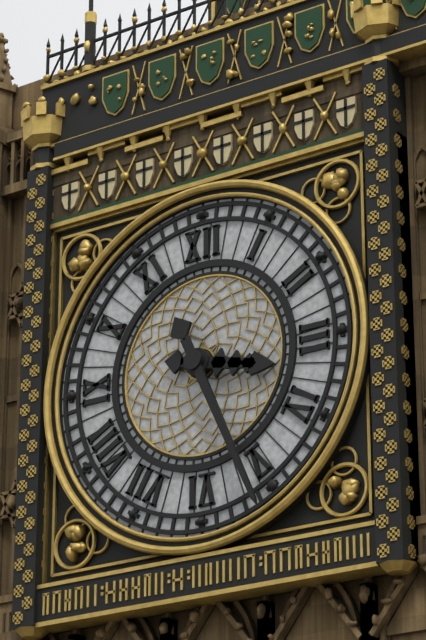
3:26
